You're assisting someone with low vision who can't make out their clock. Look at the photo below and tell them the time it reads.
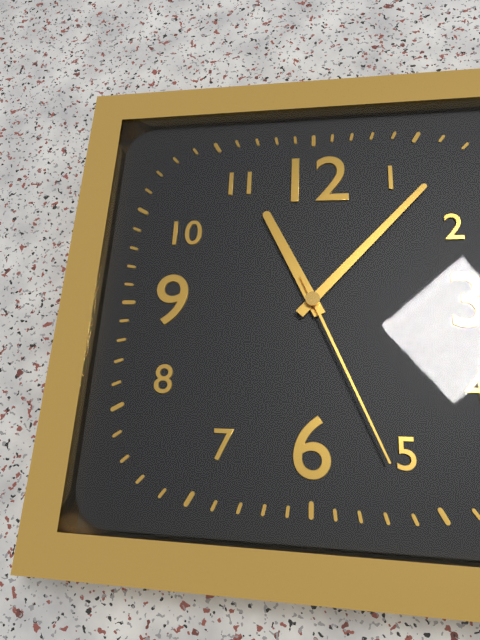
11:07:26
